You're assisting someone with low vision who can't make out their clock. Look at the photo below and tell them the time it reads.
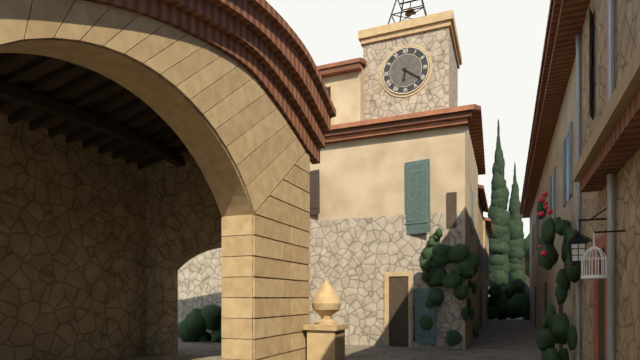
6:21
